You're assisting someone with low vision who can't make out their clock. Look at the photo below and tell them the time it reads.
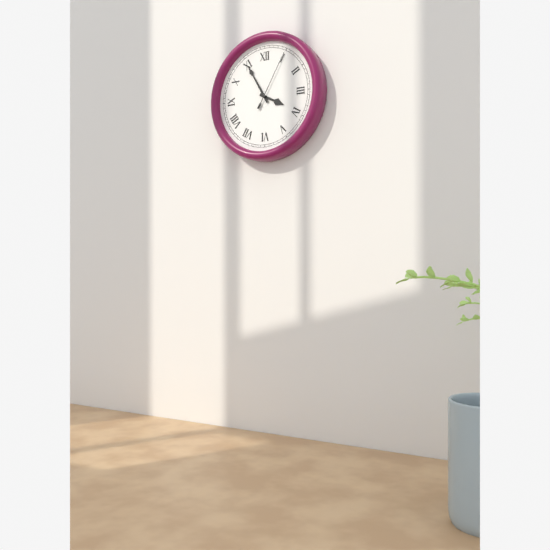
3:55:05
